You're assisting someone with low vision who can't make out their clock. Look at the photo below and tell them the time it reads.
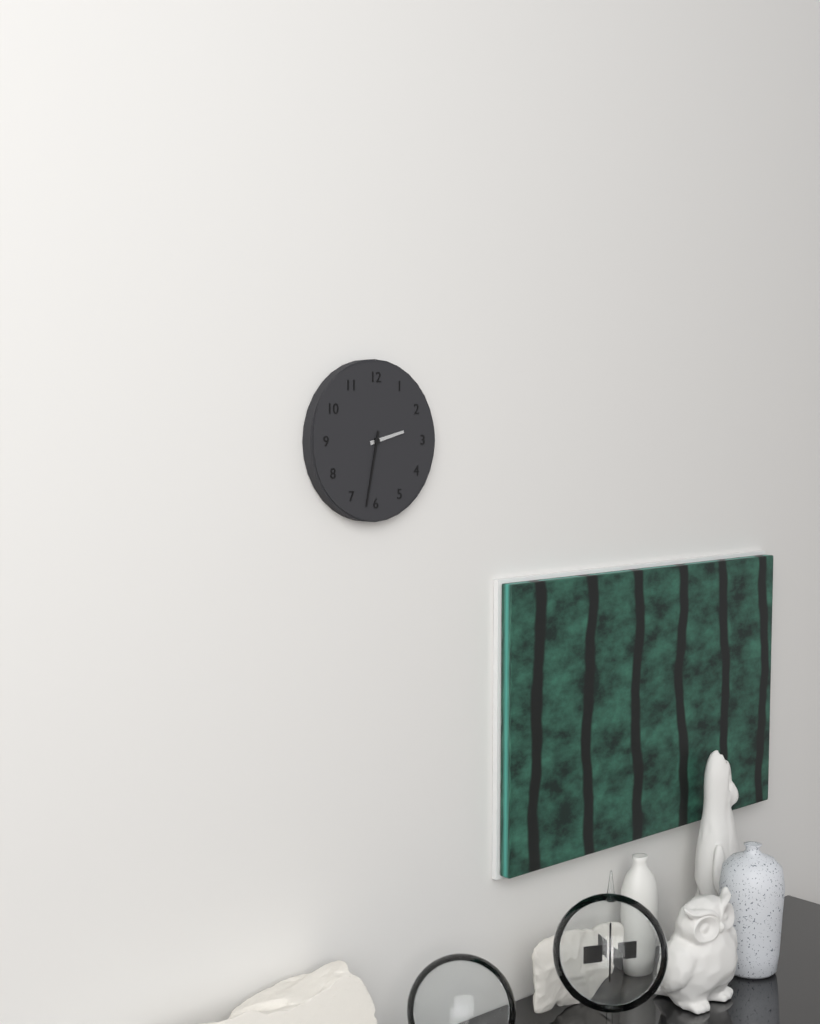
2:32
